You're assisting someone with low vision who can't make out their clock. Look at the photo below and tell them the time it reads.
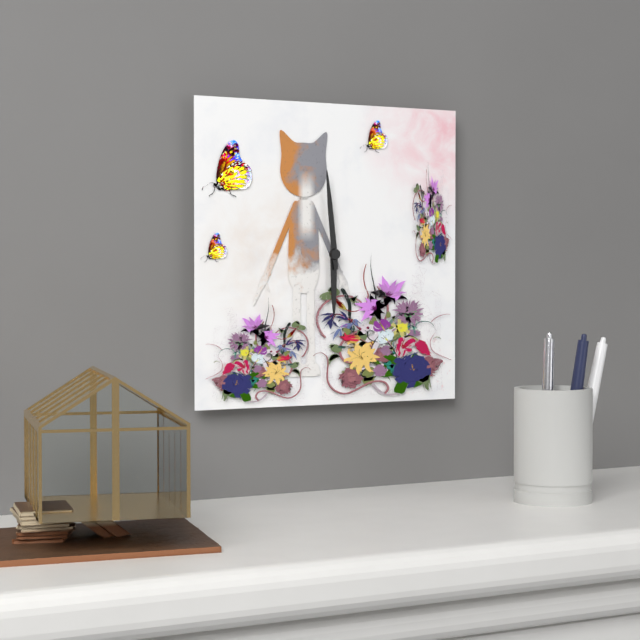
5:59
